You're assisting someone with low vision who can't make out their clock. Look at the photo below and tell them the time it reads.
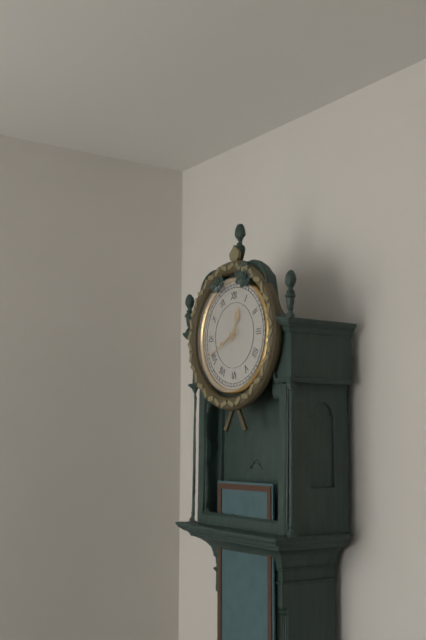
12:41
